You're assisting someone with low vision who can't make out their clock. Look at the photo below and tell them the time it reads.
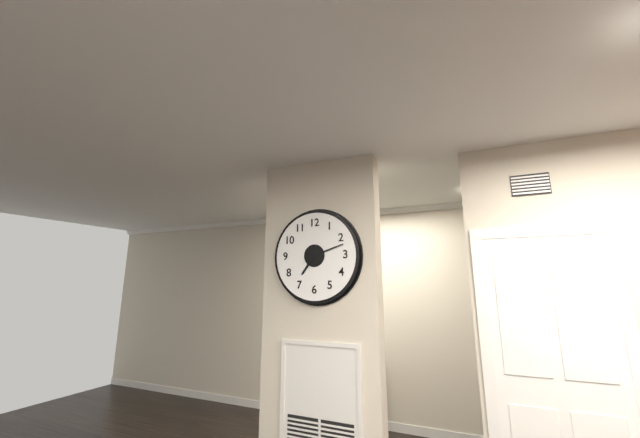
7:12
